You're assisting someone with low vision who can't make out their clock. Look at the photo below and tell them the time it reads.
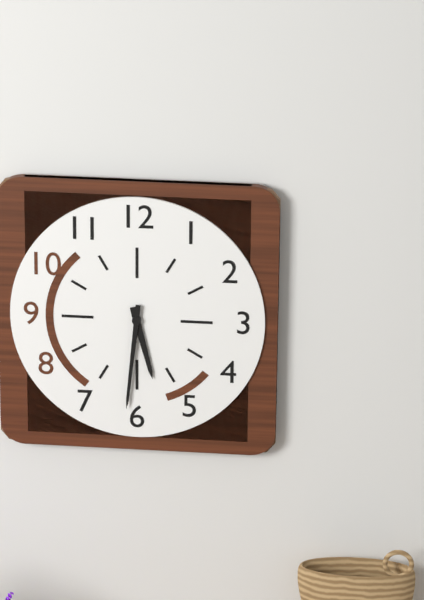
5:31
